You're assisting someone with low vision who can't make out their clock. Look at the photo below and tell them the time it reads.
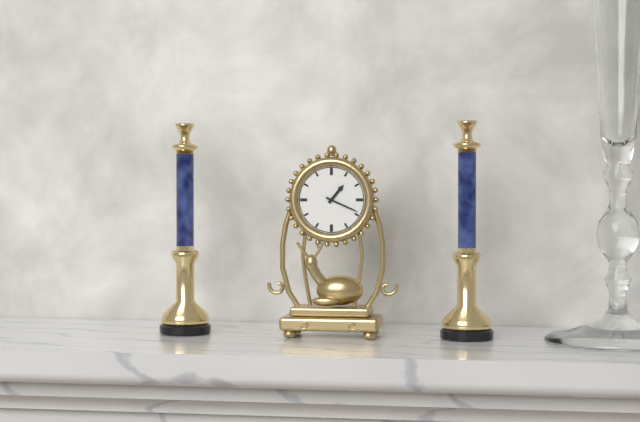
1:19
